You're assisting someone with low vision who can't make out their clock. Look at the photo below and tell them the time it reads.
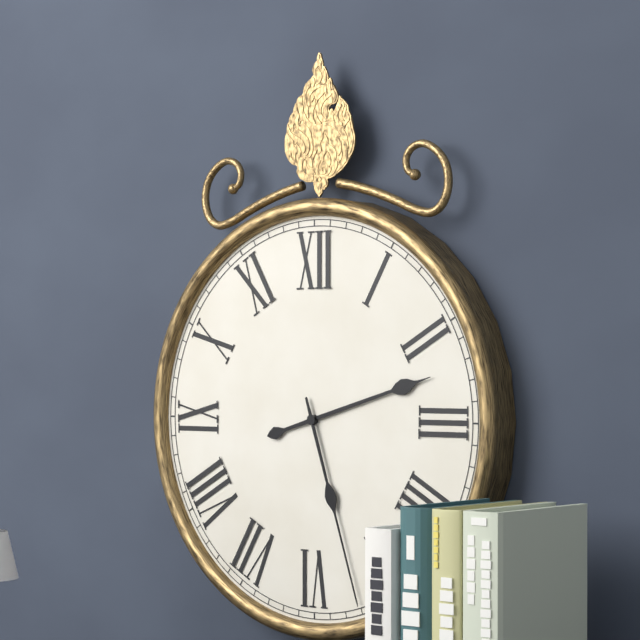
2:27
